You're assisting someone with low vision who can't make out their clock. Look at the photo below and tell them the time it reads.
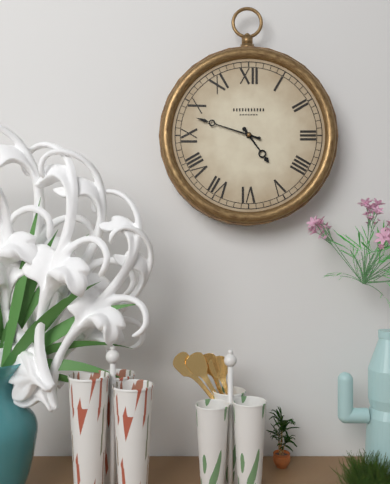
4:48
